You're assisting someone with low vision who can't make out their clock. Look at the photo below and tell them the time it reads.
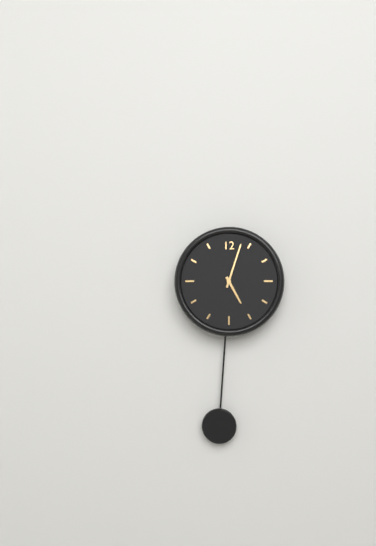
5:03
